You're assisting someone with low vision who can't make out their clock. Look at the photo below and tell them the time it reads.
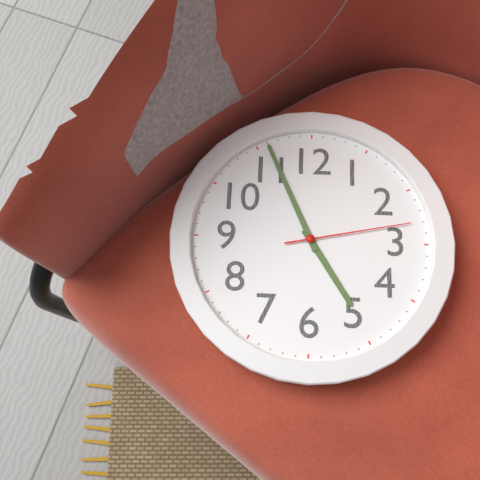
4:56:13
